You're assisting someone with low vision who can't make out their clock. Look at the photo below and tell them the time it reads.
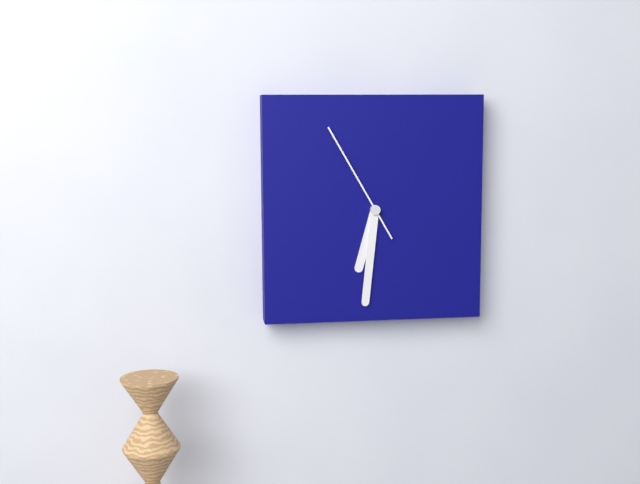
6:31:55
